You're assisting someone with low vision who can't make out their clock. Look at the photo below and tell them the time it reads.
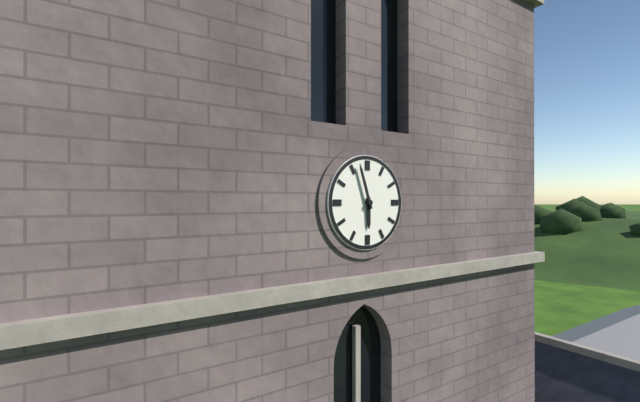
5:57
